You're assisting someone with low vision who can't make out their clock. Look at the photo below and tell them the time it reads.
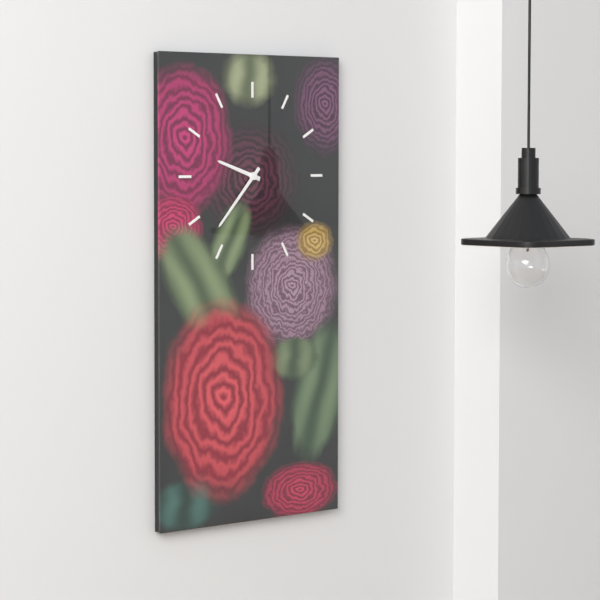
9:37
